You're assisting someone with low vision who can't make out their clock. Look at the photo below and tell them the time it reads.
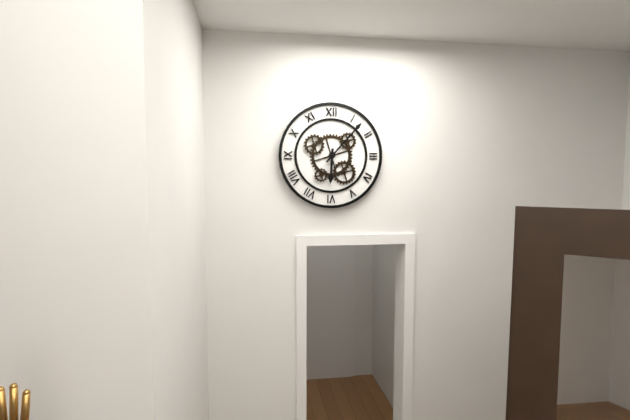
6:07
